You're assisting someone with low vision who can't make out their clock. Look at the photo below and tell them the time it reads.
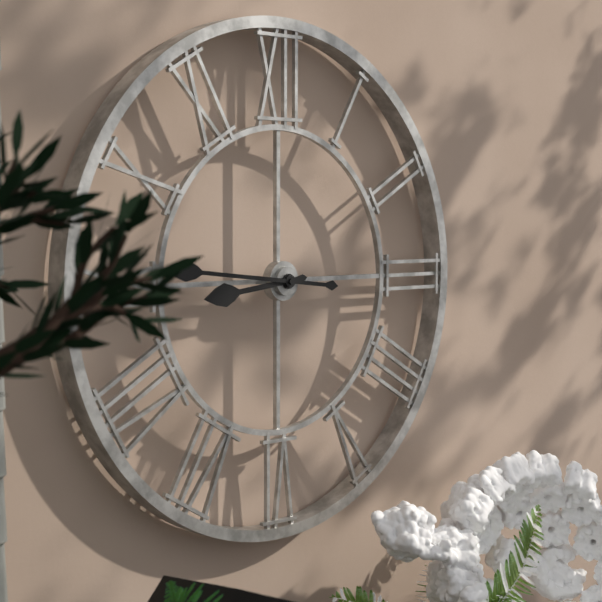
8:46
